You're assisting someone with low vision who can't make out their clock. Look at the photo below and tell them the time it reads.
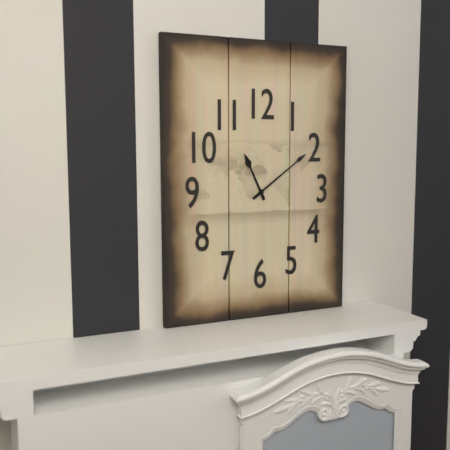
11:09
